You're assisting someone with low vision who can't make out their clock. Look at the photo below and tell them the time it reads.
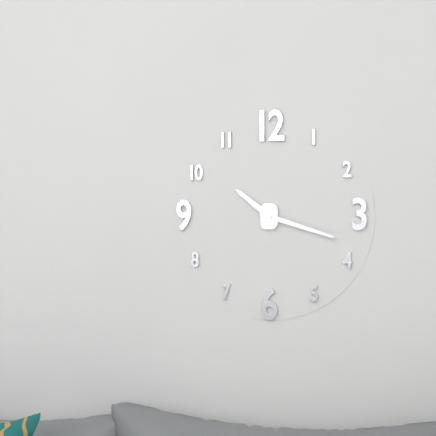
10:18
